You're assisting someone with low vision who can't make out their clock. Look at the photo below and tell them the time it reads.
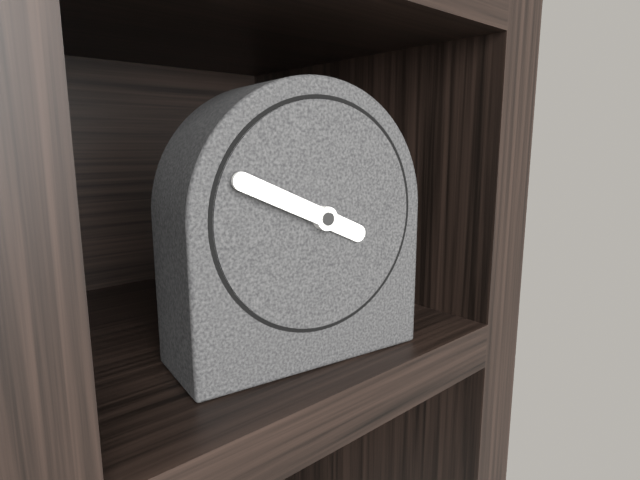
3:49
